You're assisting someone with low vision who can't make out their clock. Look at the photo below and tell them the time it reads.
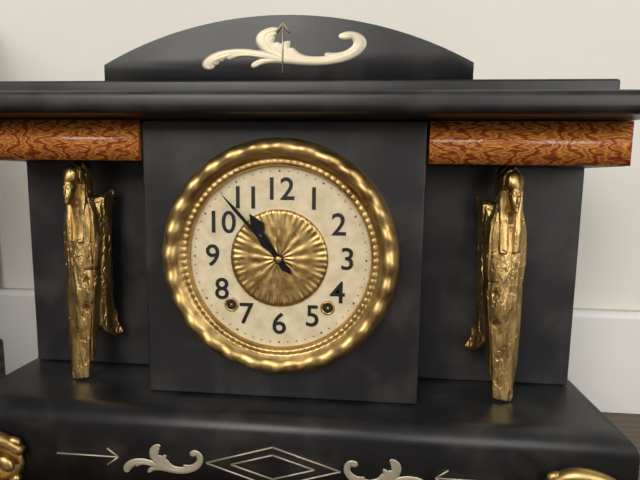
10:53
